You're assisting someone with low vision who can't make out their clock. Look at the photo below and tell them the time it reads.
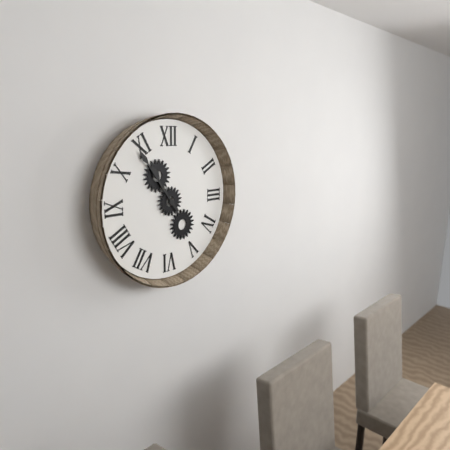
10:54
